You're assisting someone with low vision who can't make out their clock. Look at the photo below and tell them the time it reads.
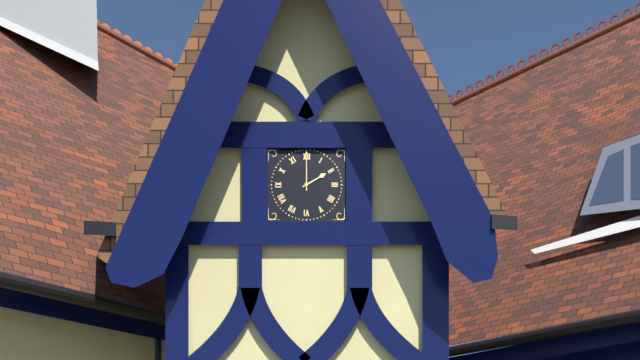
2:00
